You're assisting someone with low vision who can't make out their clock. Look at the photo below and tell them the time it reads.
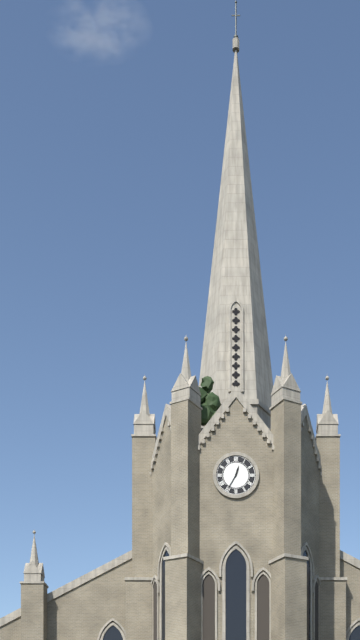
12:35
